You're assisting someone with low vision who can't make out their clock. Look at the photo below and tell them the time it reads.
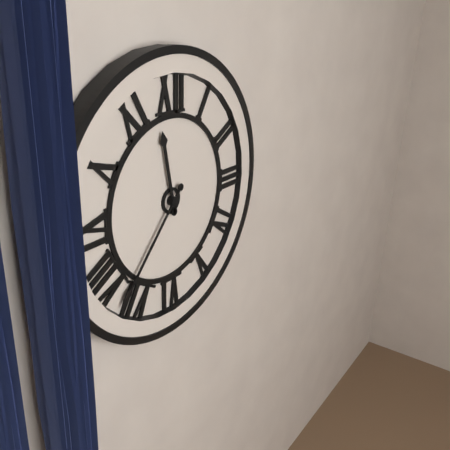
11:37
